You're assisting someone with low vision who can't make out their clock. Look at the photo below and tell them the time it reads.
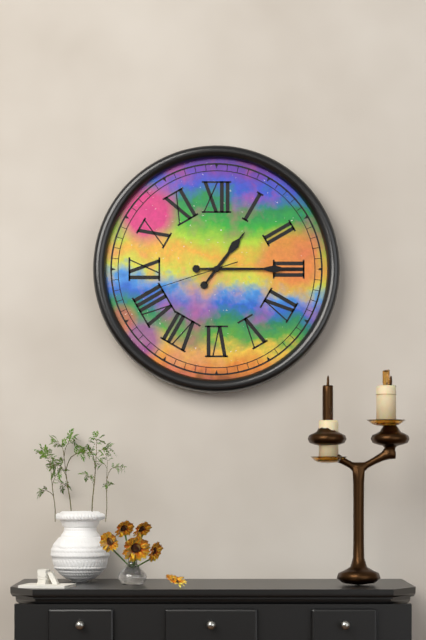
1:15:42
